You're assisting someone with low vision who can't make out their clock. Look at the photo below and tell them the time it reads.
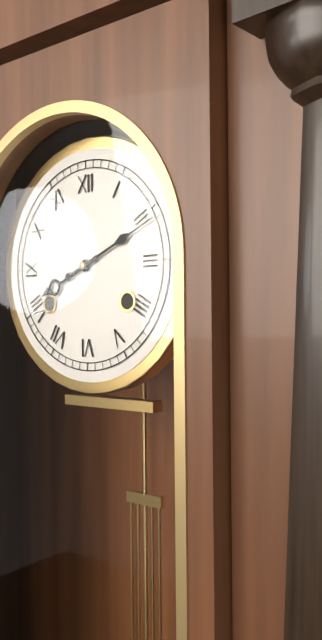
8:11
